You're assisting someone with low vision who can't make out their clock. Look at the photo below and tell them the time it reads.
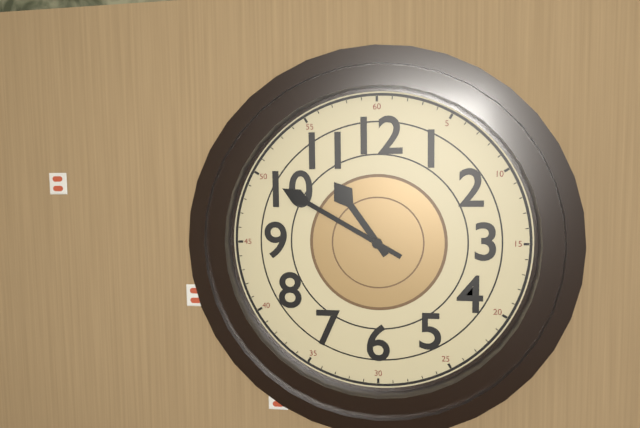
10:50
